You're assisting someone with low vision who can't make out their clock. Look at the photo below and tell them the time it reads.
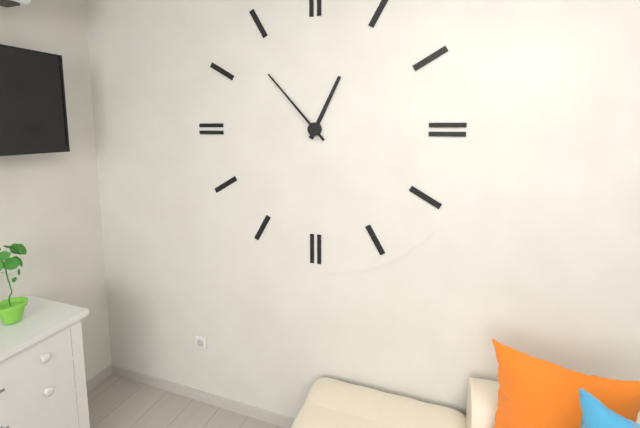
12:53
